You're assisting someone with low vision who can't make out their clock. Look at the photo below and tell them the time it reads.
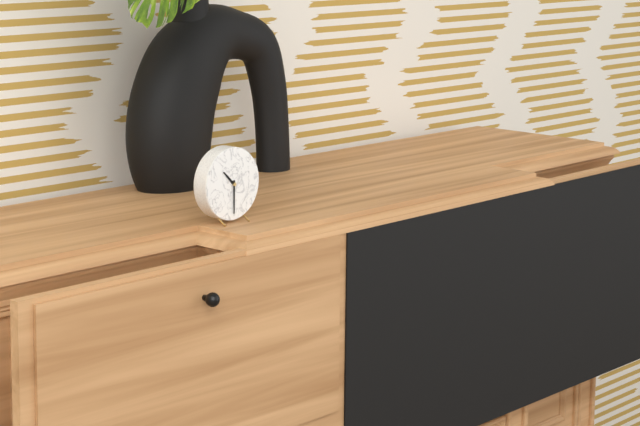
10:30
